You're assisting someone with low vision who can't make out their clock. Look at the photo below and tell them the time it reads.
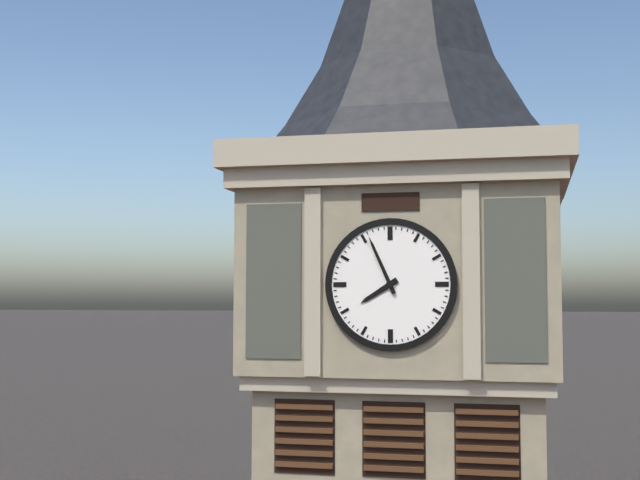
7:56
